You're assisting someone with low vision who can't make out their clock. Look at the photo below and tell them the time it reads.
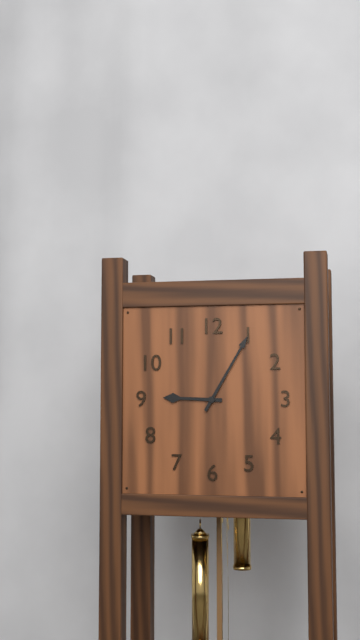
9:05
